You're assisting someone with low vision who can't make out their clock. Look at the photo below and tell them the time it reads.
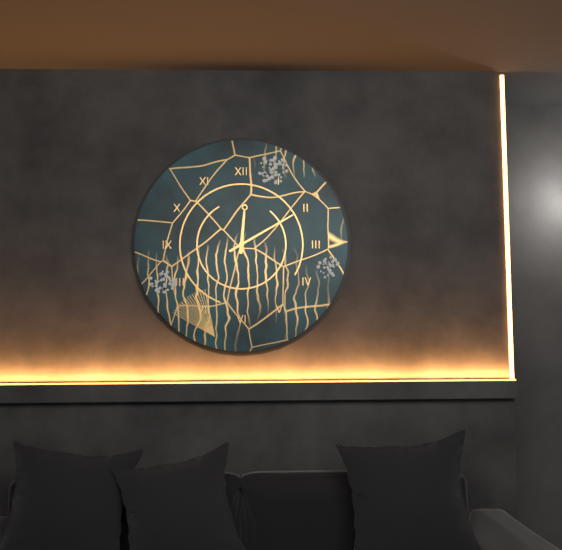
12:10
